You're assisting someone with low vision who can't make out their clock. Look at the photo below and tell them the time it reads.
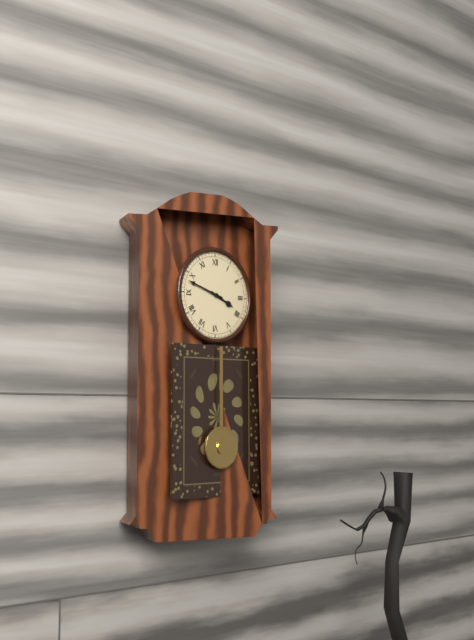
3:48
